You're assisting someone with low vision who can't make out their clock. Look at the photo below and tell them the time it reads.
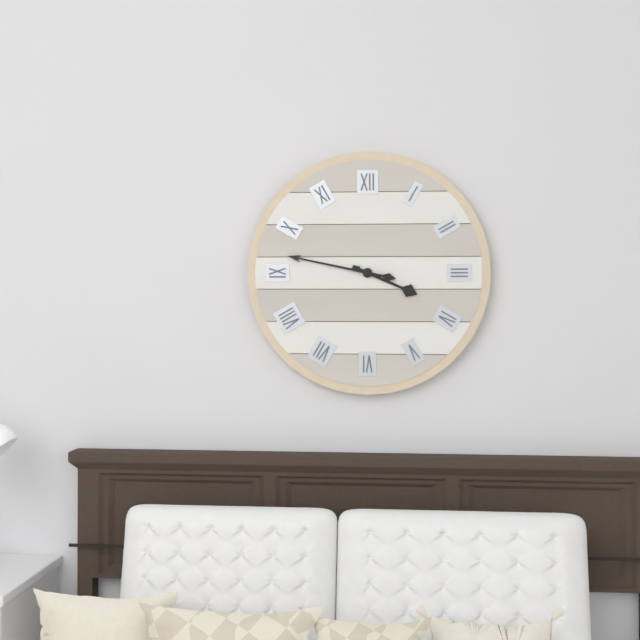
3:47
